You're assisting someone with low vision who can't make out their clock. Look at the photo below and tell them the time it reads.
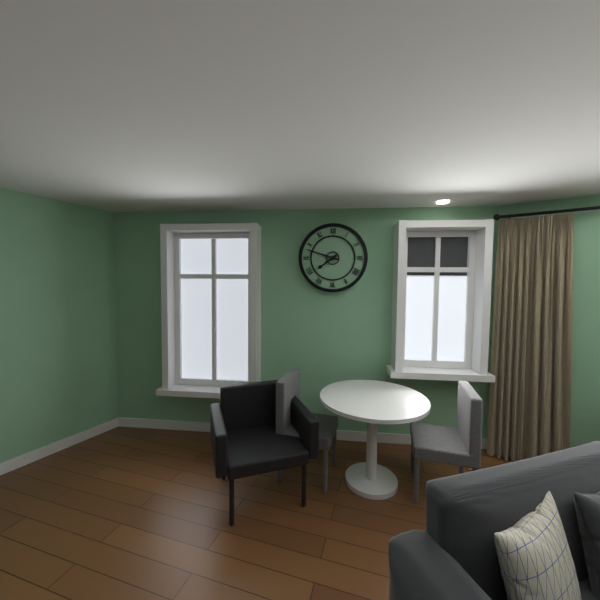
7:48
